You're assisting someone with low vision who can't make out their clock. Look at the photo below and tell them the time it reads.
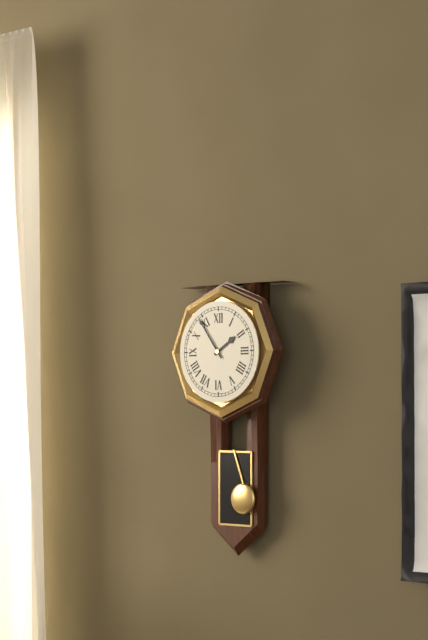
1:54
